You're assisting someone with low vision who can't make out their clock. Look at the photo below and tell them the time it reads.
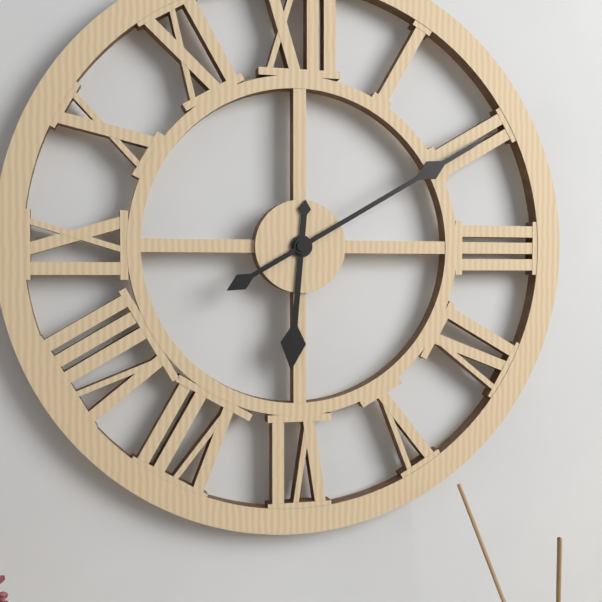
6:10
